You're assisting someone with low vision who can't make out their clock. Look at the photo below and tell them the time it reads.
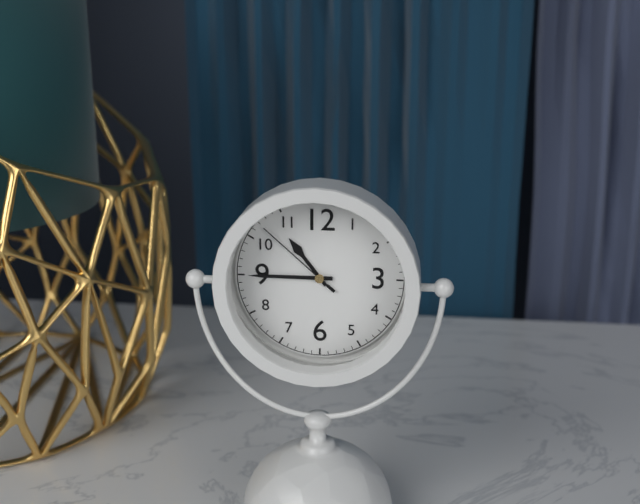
10:45:52
